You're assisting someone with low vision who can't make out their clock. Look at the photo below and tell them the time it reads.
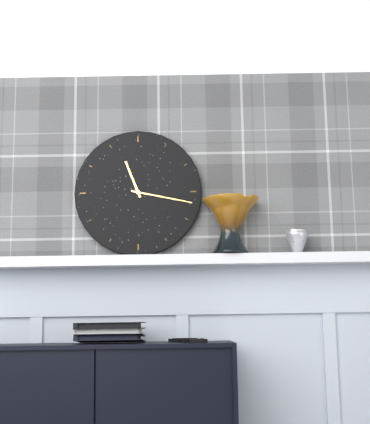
11:17
